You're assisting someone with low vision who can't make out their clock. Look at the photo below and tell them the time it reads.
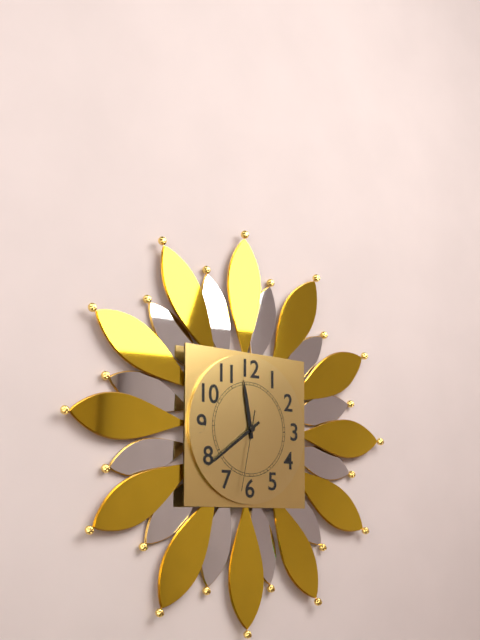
11:39:32
